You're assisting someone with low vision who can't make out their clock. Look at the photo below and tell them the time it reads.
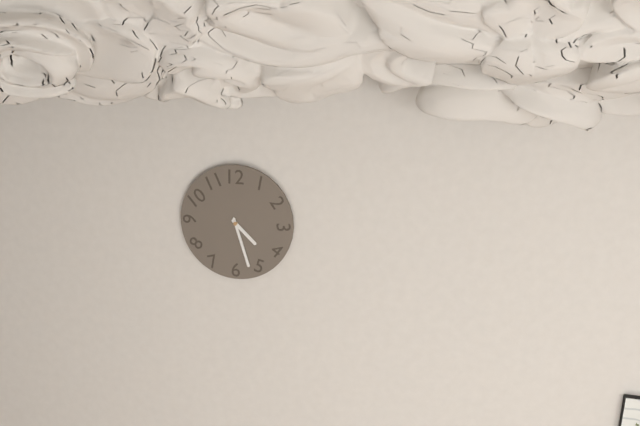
4:27
